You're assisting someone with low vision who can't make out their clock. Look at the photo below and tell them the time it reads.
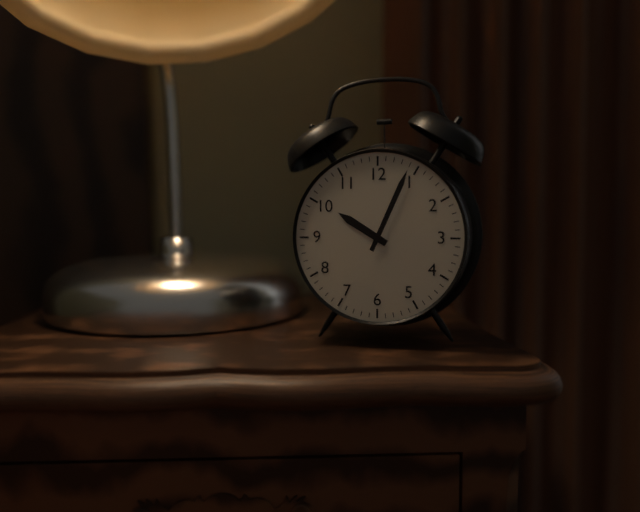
10:04
